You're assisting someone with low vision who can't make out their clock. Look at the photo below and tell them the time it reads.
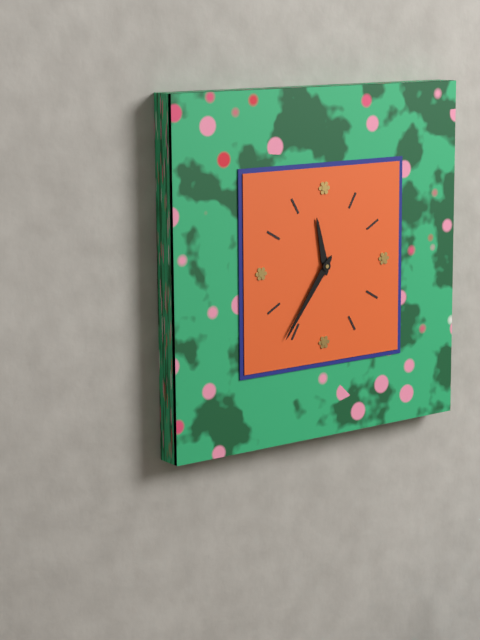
11:36
